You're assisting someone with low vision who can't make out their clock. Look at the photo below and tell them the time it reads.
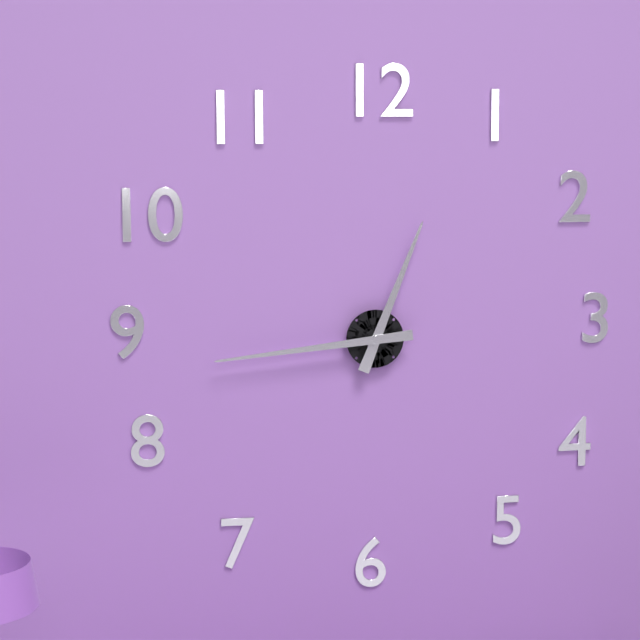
12:44
